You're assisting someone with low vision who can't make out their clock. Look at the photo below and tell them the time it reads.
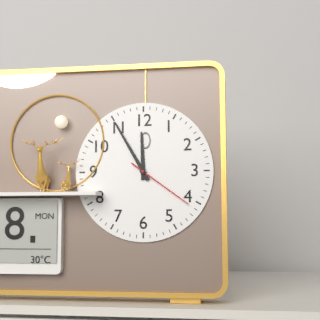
11:55:21
